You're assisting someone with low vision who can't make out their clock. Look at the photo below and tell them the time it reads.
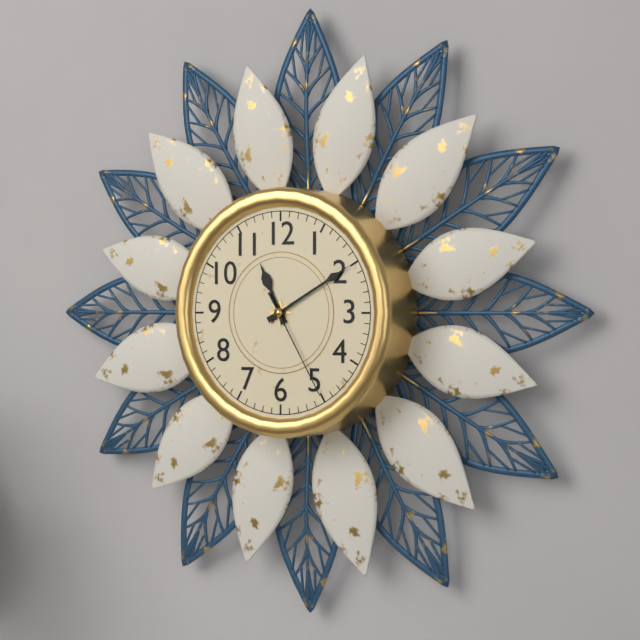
11:10:25
